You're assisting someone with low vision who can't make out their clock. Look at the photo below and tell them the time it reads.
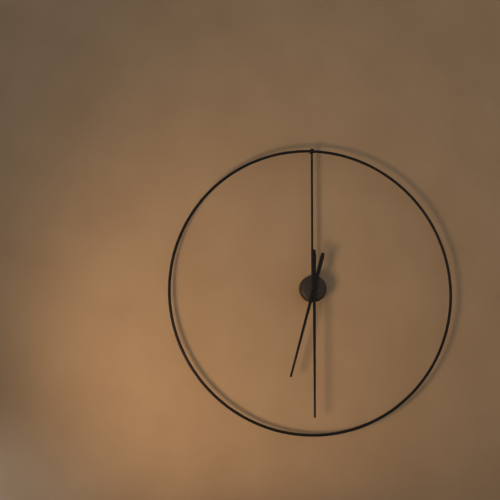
6:30
